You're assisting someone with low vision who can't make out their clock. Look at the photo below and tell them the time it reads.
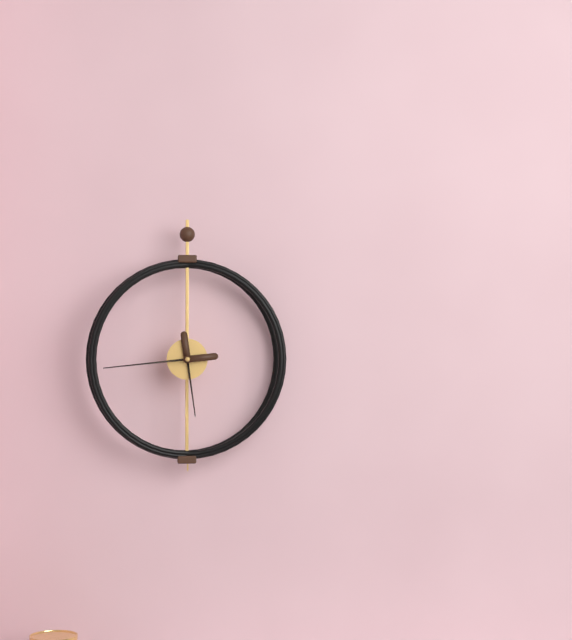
5:44
